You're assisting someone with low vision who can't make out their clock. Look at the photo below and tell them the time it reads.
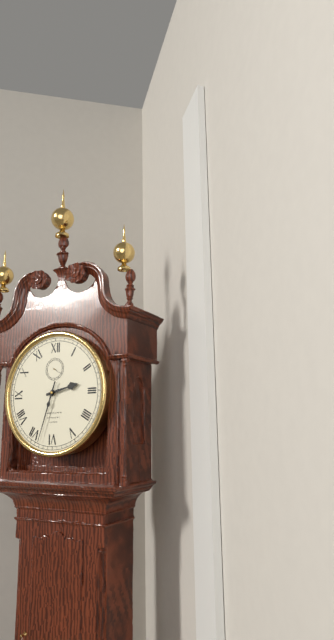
2:33
